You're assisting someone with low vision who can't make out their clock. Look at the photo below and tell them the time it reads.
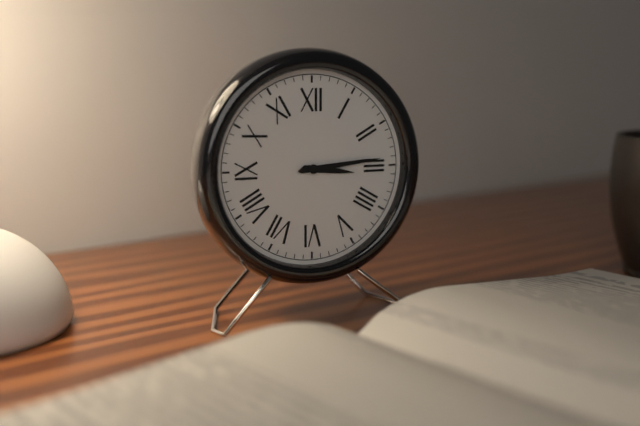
3:14
